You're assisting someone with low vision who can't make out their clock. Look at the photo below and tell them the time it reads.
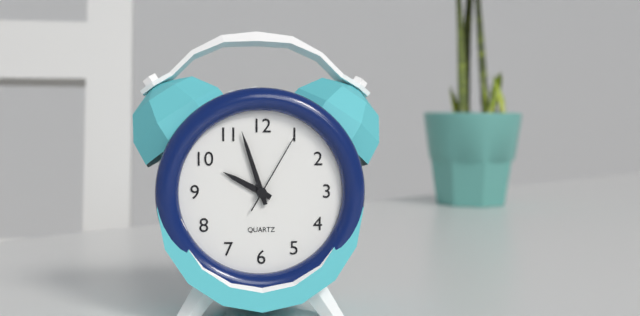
9:57:05
